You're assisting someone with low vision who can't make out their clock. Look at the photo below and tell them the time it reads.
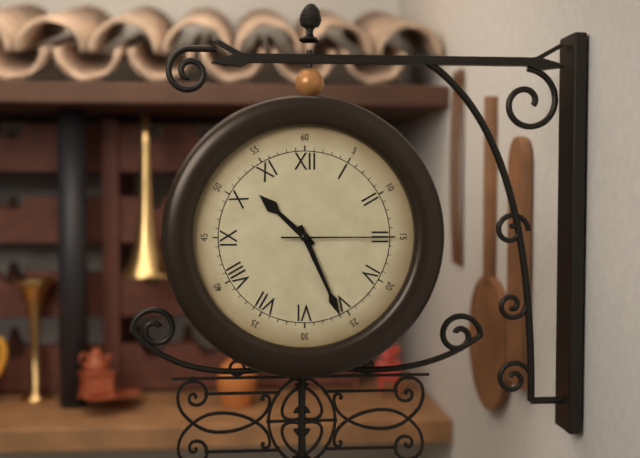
10:26:15
